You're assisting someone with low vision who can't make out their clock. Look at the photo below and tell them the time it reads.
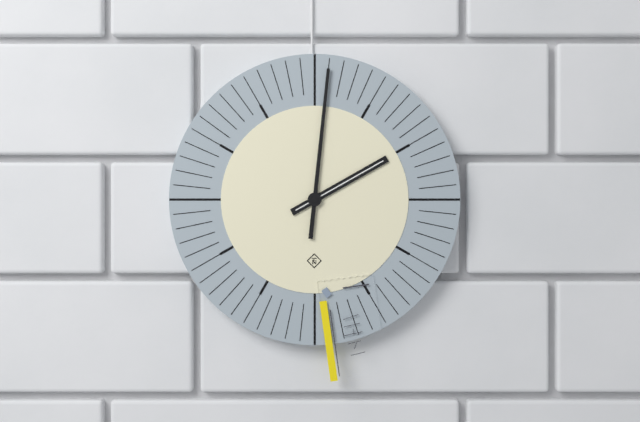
2:01
